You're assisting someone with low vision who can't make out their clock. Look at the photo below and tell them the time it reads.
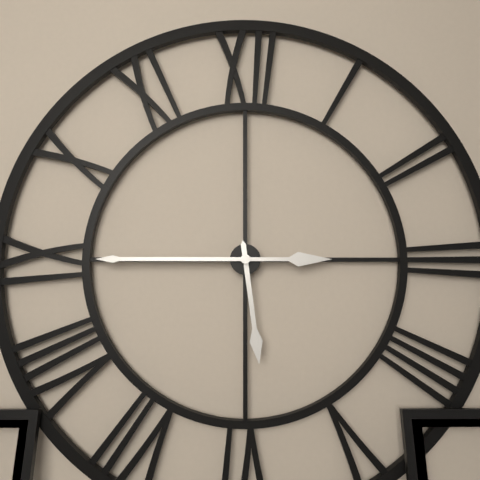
5:45
